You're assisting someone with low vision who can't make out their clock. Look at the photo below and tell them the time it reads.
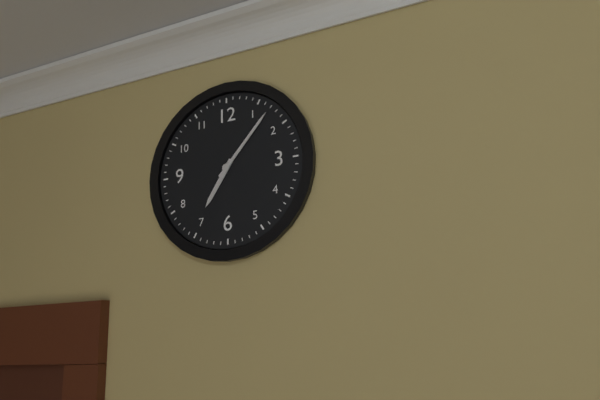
7:07
